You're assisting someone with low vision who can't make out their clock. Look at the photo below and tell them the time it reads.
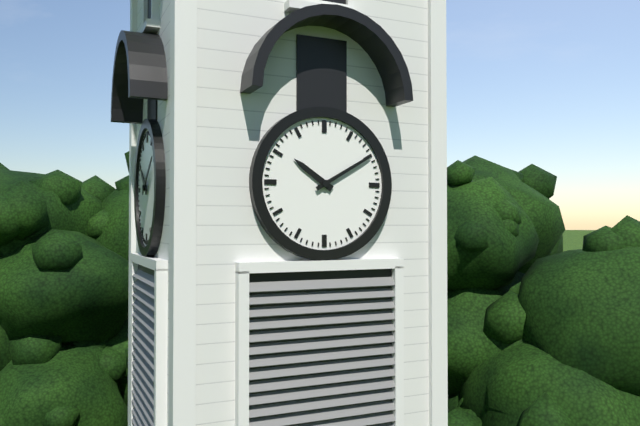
10:10
